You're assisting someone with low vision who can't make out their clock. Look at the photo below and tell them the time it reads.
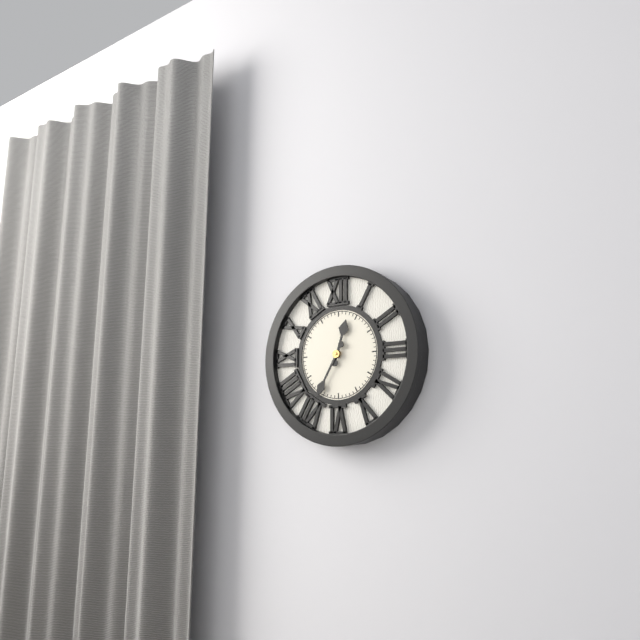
12:35
